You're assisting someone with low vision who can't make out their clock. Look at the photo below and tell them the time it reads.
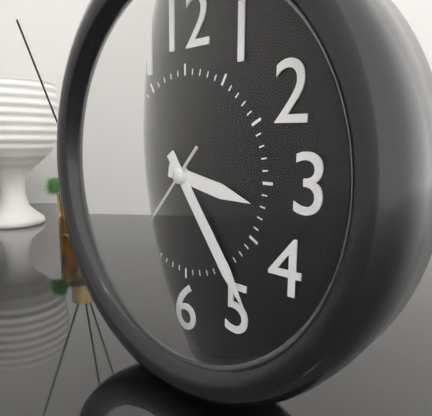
3:24:37
